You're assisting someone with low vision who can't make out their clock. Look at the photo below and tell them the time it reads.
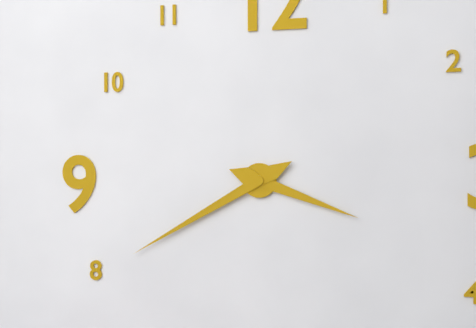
3:40
